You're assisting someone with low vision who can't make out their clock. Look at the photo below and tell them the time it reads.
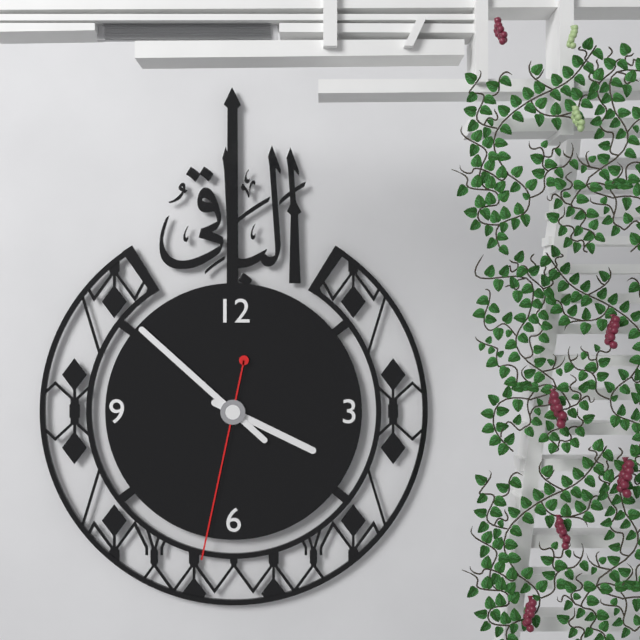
3:52:32
